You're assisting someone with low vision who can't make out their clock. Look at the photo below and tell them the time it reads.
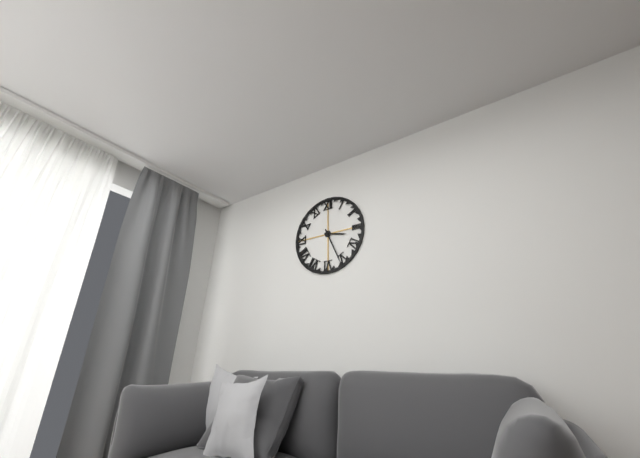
3:26
